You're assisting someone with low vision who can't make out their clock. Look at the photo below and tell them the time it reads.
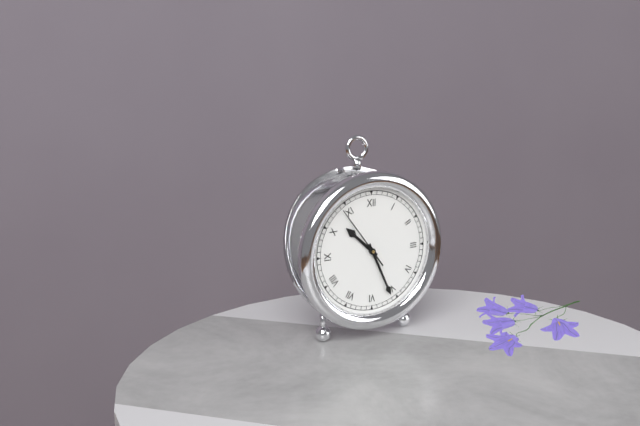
10:26:54
